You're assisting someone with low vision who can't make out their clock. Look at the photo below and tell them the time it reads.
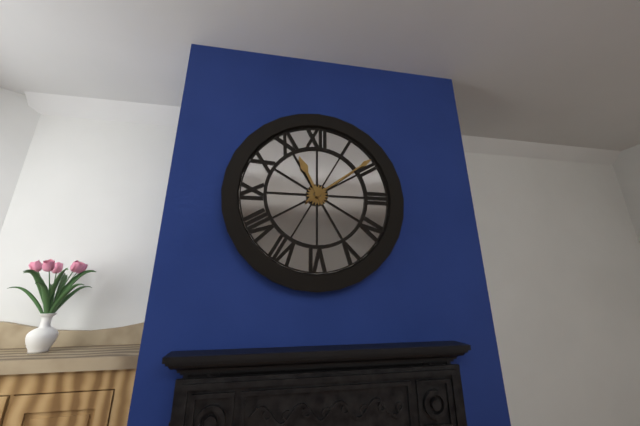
11:09
